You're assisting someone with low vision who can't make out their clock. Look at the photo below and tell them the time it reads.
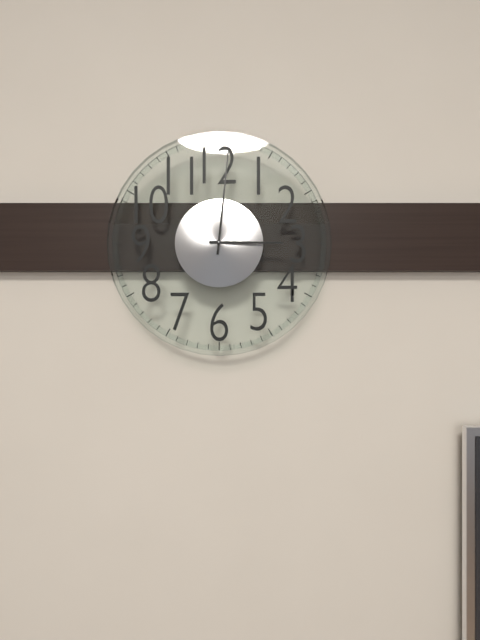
3:01
